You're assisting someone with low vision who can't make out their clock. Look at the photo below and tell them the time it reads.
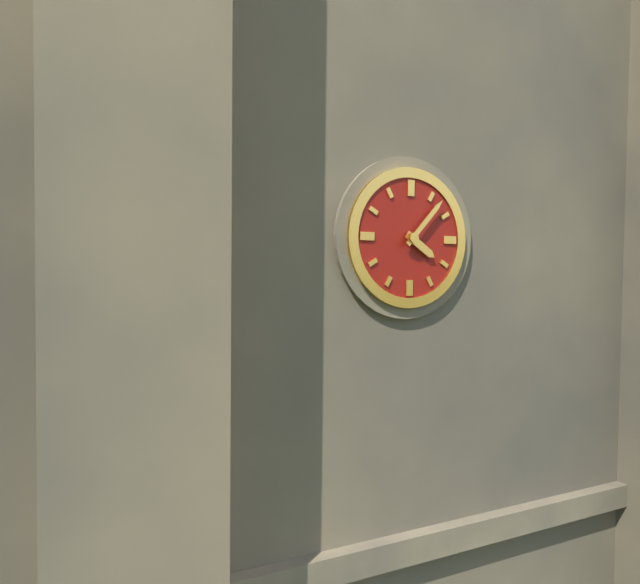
4:07
